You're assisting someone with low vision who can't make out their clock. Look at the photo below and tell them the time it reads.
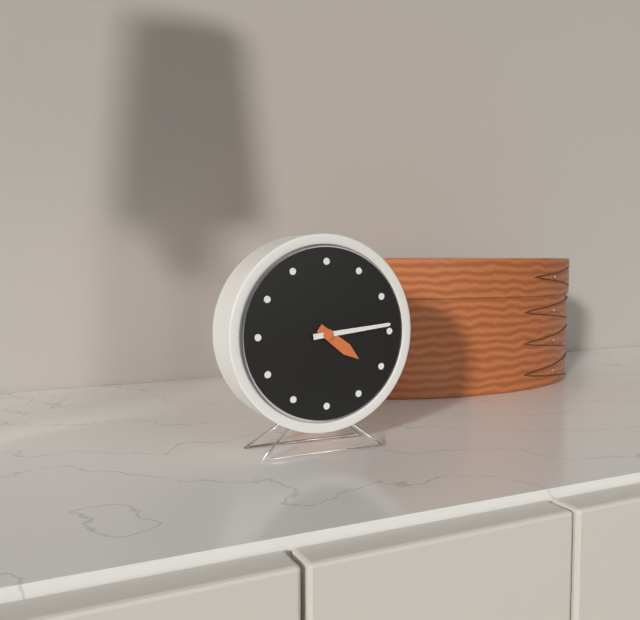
4:14
